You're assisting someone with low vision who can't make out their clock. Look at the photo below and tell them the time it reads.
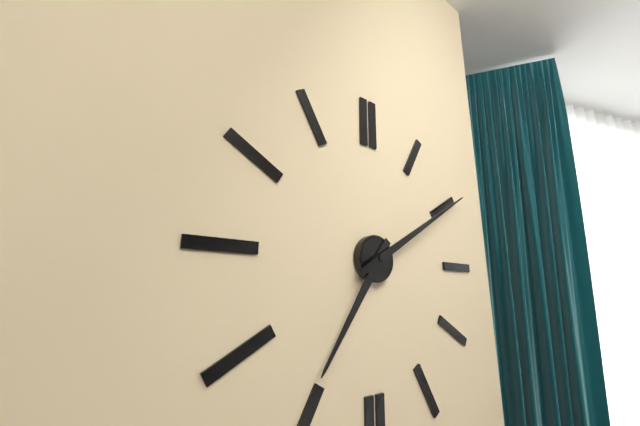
7:10
